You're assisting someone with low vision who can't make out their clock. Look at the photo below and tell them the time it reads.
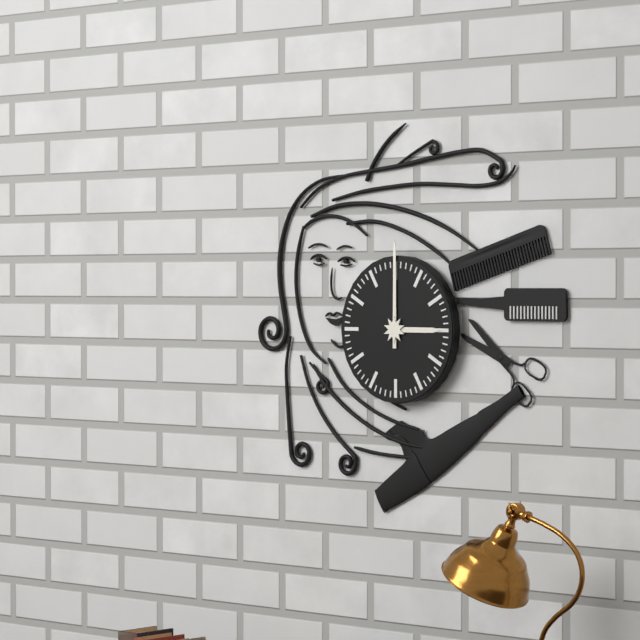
3:00
